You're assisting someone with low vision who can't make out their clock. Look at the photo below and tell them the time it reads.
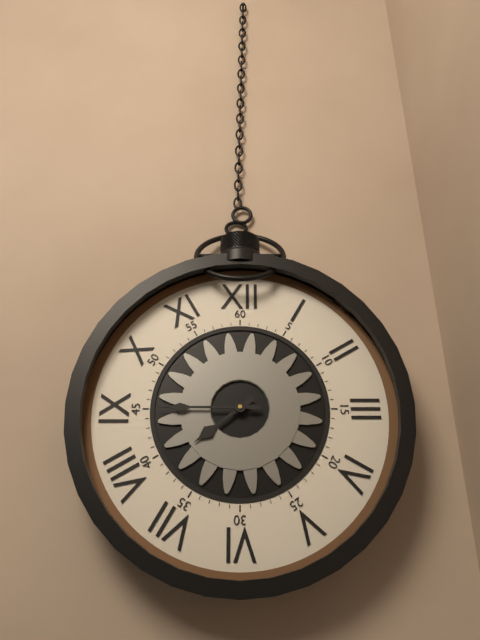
7:45
